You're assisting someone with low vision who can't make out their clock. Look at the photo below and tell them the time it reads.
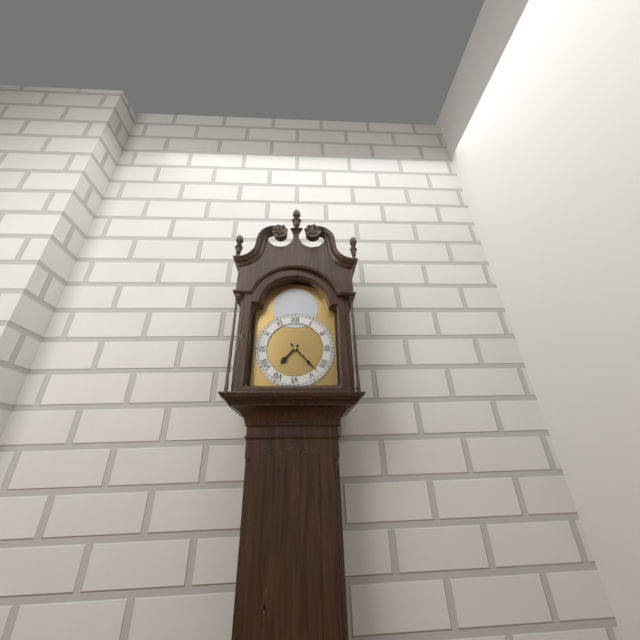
7:23
